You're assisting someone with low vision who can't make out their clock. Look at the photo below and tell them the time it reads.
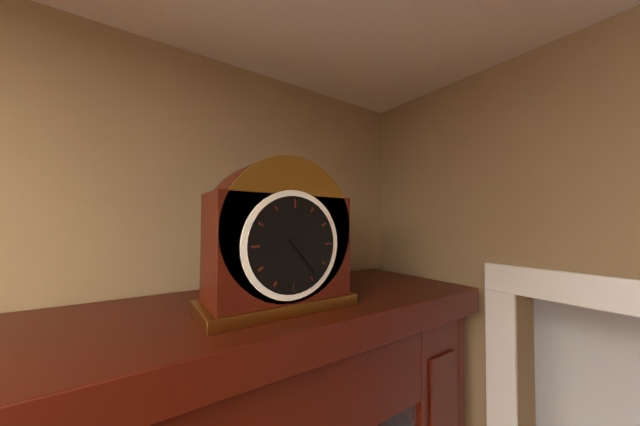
4:23
